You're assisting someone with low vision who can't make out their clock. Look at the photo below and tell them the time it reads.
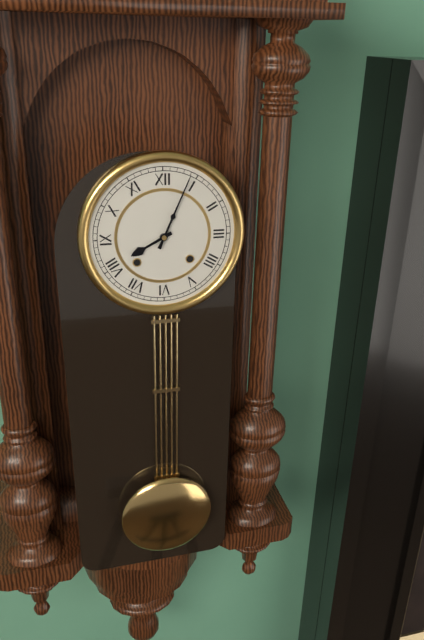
8:04
